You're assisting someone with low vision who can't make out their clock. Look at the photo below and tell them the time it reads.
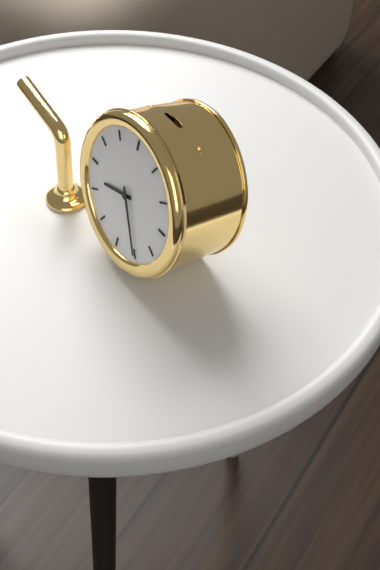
8:25
